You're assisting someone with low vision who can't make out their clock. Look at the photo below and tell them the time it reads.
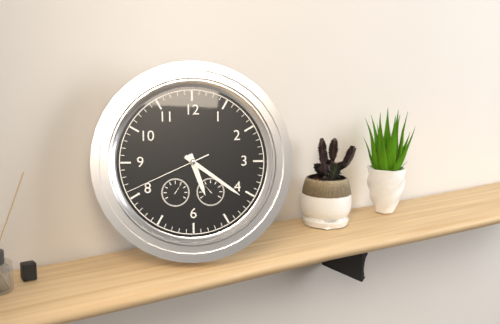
5:21:41
